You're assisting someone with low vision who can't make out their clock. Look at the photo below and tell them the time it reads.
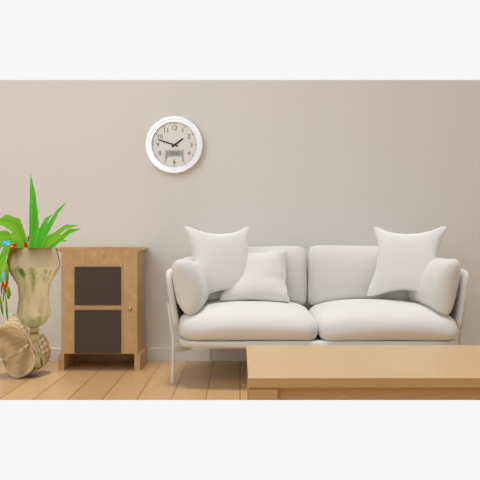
1:48
